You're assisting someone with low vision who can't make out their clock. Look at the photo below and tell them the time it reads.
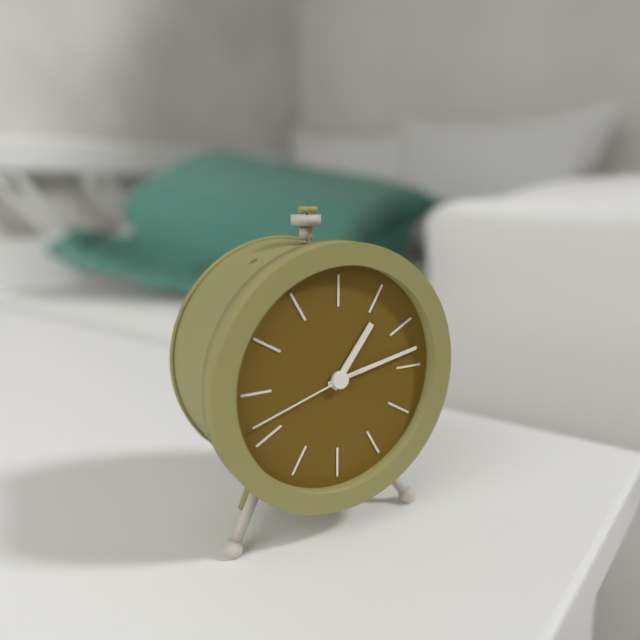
1:13:42
